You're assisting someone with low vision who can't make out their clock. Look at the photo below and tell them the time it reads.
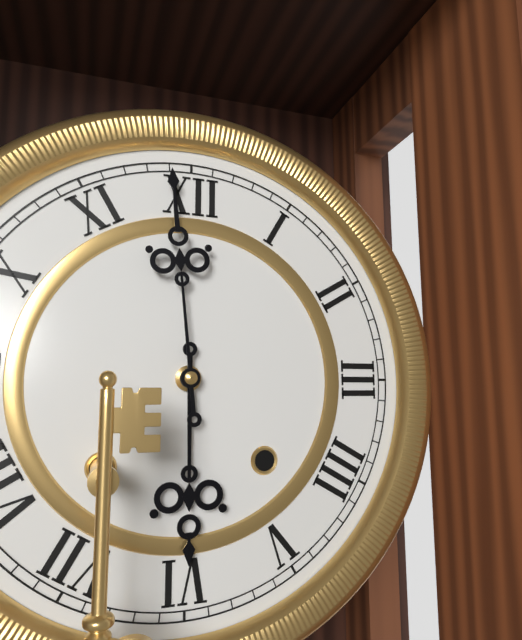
5:59
